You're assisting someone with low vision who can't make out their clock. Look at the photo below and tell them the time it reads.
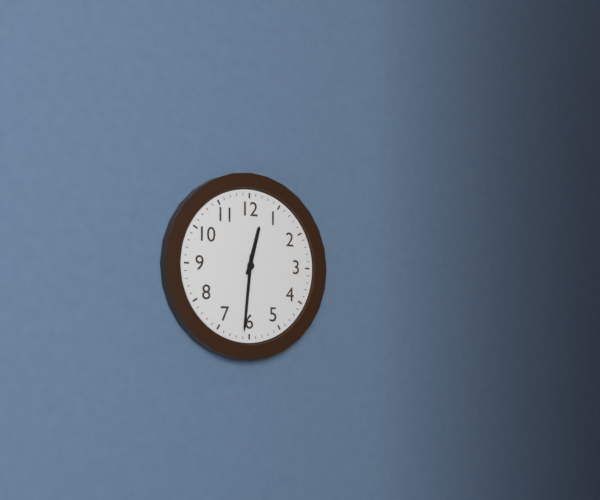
12:31
